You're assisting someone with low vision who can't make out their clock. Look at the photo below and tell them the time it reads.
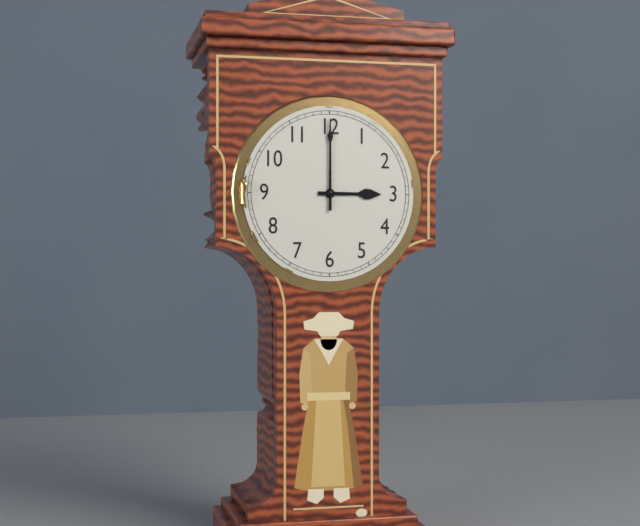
3:00
